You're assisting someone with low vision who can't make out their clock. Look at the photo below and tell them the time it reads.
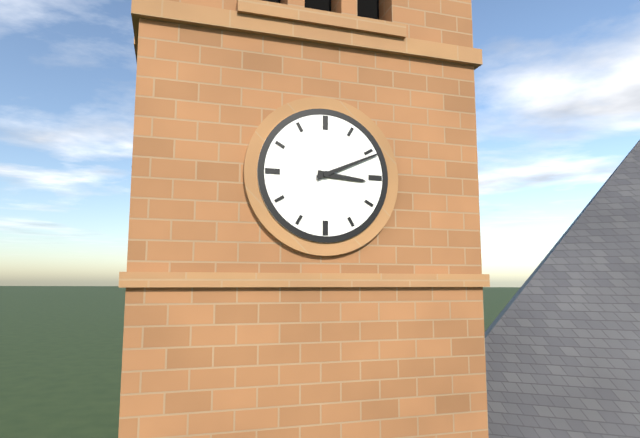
3:11
